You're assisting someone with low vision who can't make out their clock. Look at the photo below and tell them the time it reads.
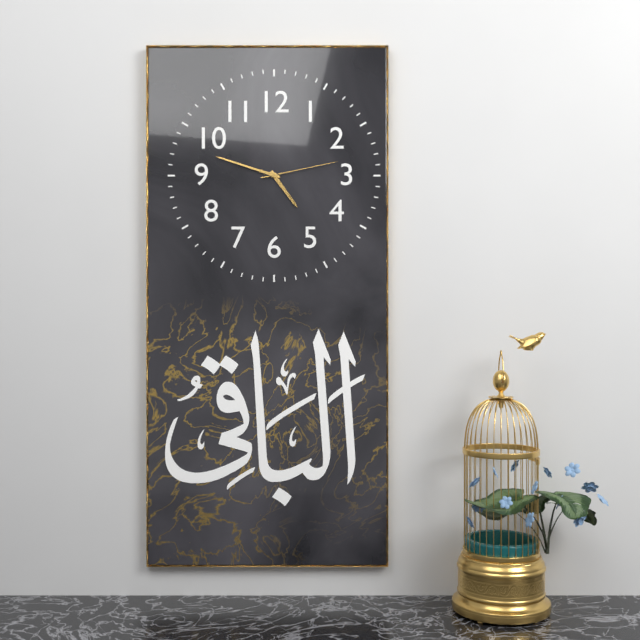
4:48:13
